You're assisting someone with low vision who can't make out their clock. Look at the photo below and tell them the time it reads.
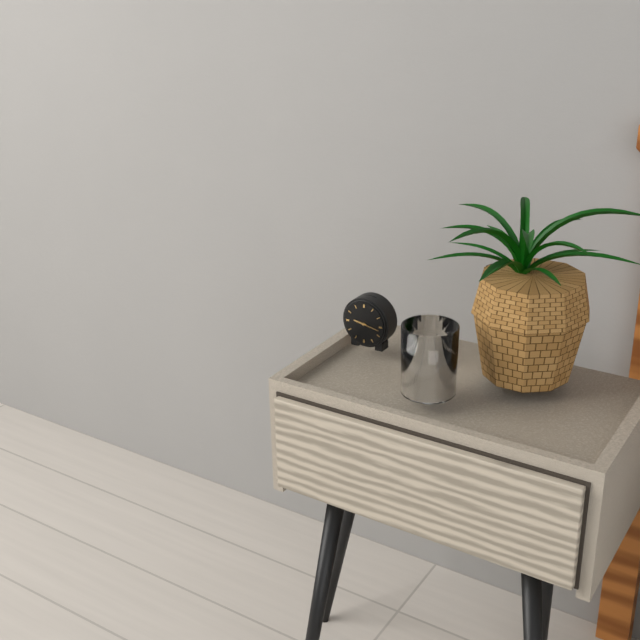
9:17
